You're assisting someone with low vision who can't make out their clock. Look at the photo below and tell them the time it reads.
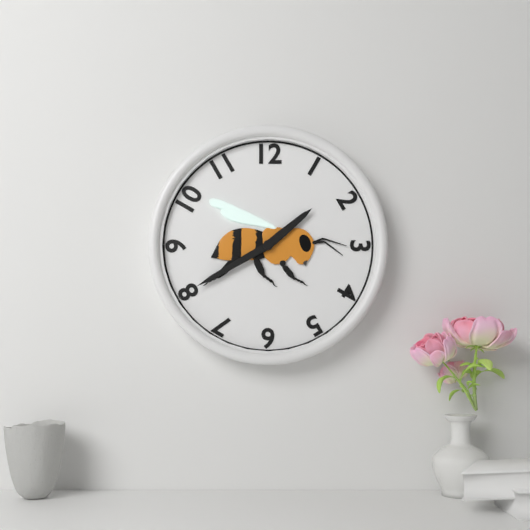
1:40
